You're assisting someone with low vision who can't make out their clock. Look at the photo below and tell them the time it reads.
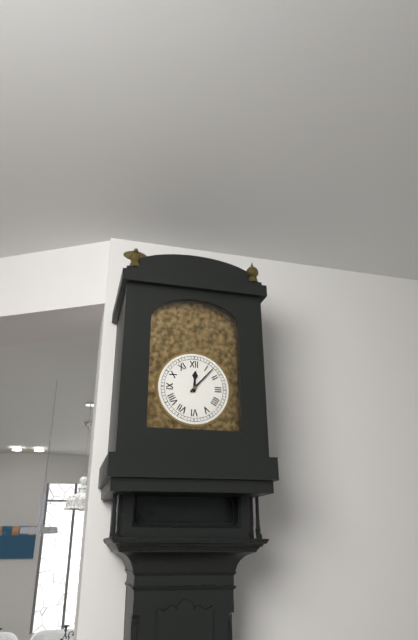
12:07
